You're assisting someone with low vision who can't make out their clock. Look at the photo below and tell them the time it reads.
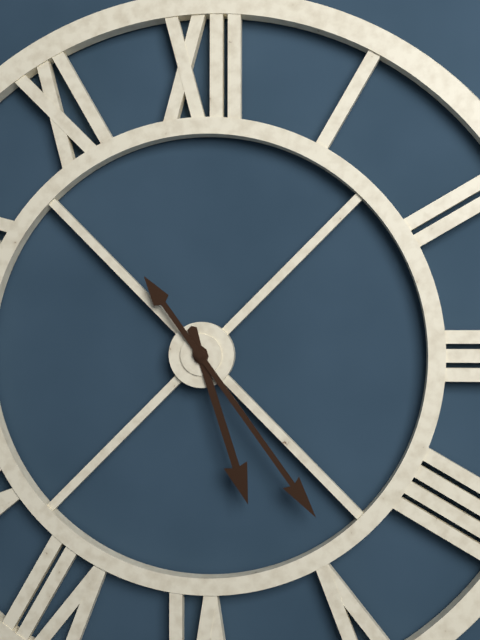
5:24
